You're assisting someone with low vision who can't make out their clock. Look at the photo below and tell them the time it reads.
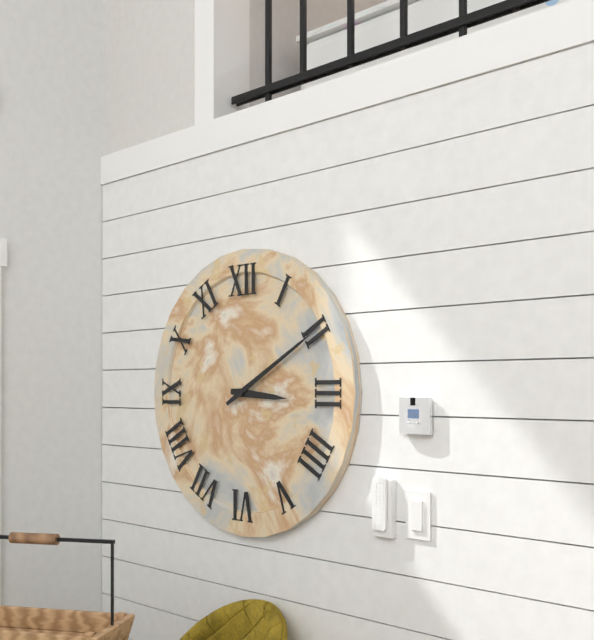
3:10
